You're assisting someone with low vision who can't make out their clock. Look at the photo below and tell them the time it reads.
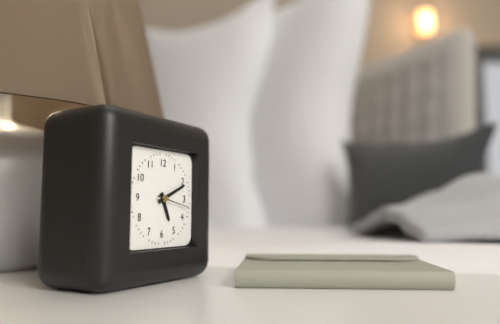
5:11
